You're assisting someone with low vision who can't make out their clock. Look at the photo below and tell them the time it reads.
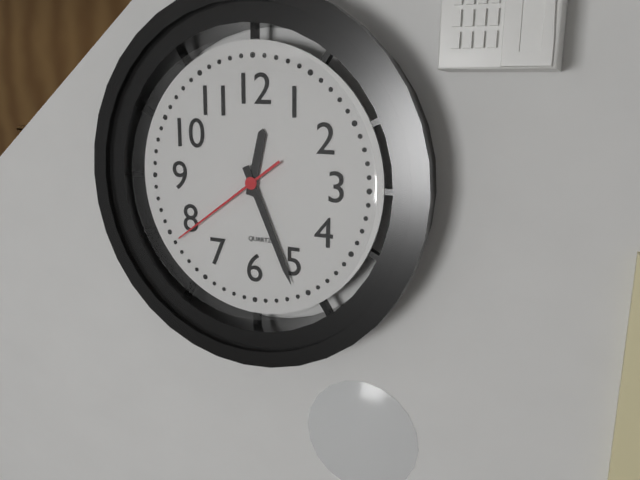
12:26:39
